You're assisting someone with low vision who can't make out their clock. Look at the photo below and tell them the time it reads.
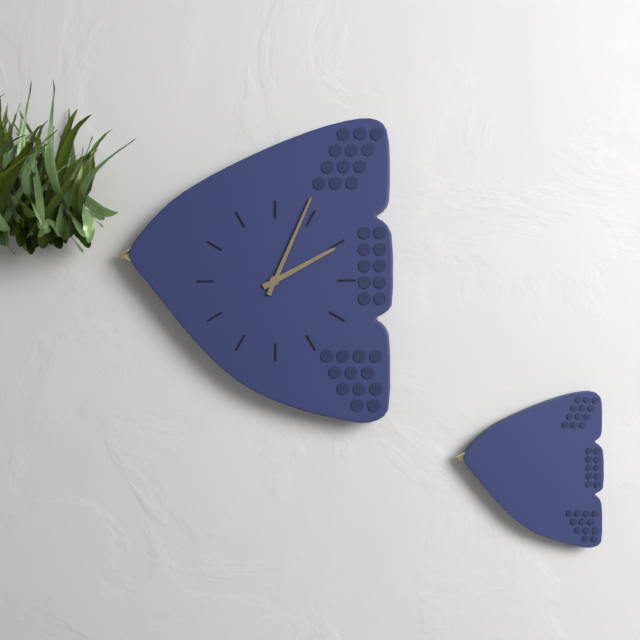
2:04
